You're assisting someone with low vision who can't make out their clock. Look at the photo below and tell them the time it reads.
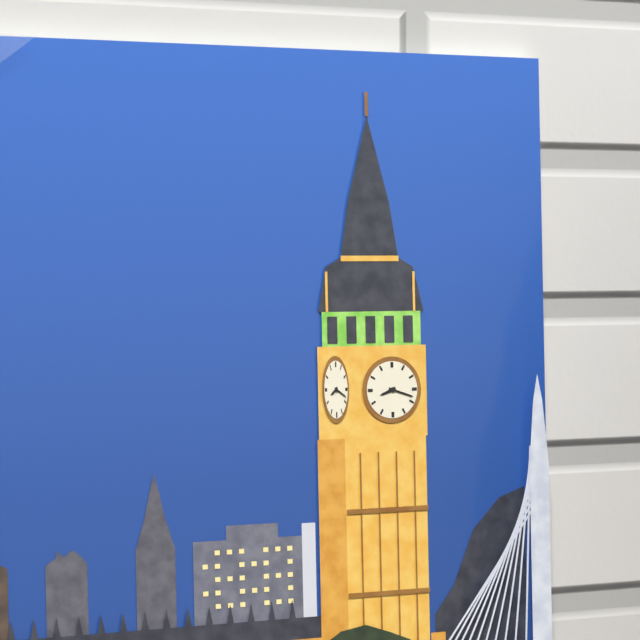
8:18
